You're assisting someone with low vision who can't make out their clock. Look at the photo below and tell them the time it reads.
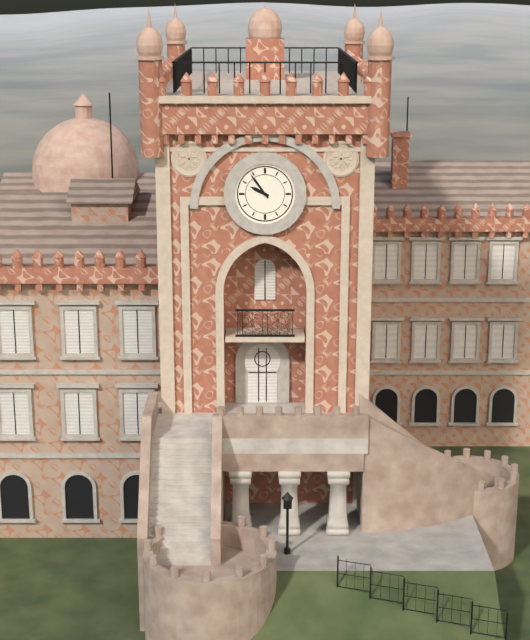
9:54
